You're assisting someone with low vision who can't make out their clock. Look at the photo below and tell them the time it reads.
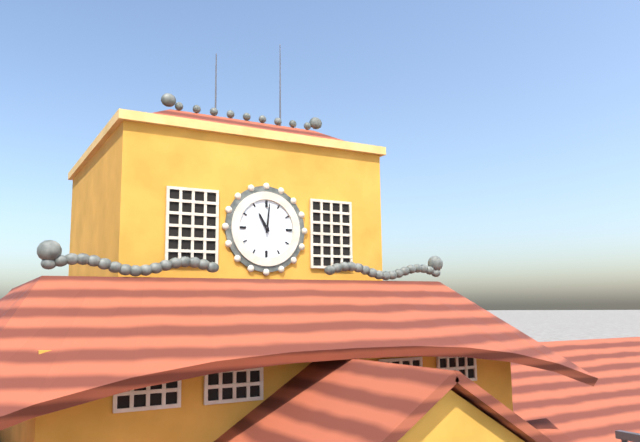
11:01
